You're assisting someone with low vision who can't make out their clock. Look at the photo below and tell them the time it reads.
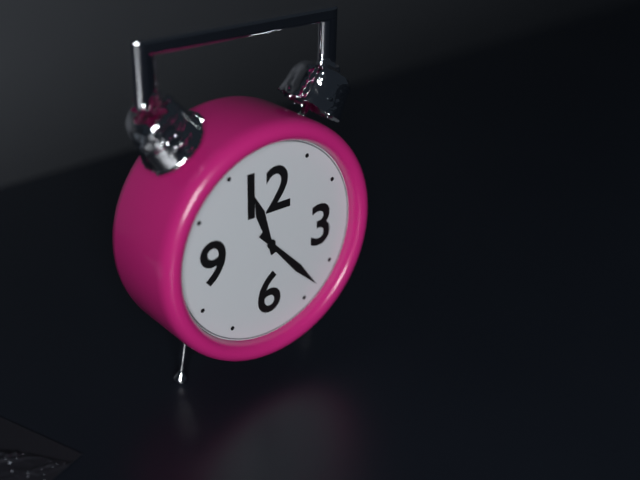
11:23
